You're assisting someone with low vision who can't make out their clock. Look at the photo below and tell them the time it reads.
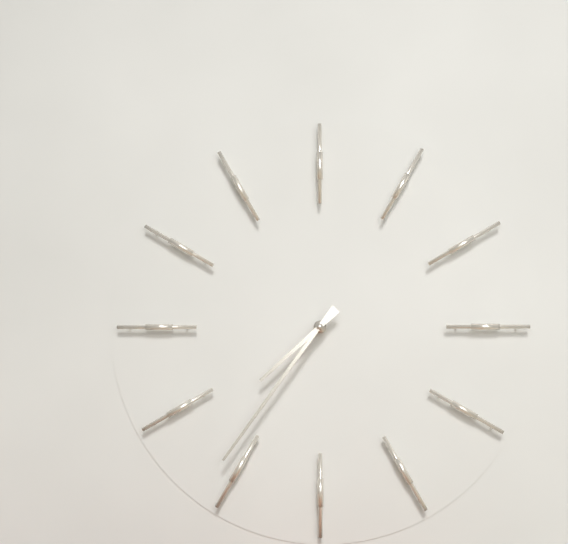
7:36
